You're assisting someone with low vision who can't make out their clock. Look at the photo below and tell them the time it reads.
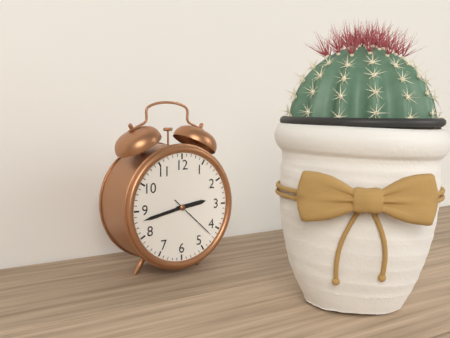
2:43:22
